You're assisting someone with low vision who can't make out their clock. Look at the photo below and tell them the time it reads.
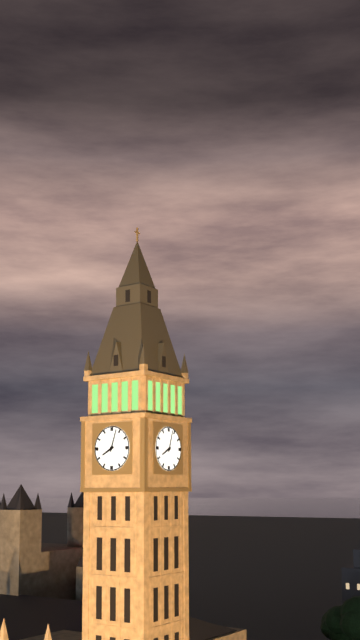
8:03
